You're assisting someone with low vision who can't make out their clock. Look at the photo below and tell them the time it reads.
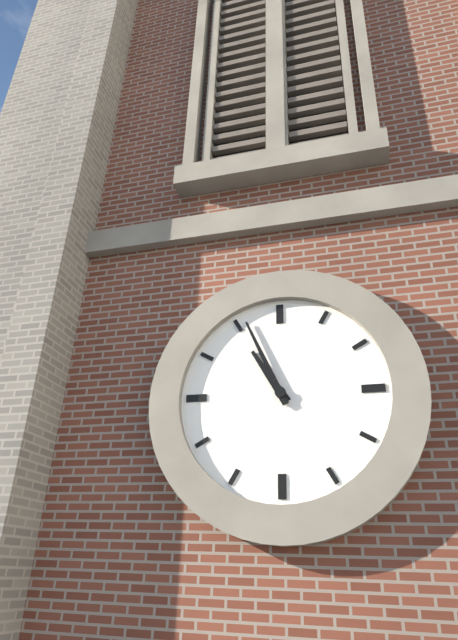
10:56
